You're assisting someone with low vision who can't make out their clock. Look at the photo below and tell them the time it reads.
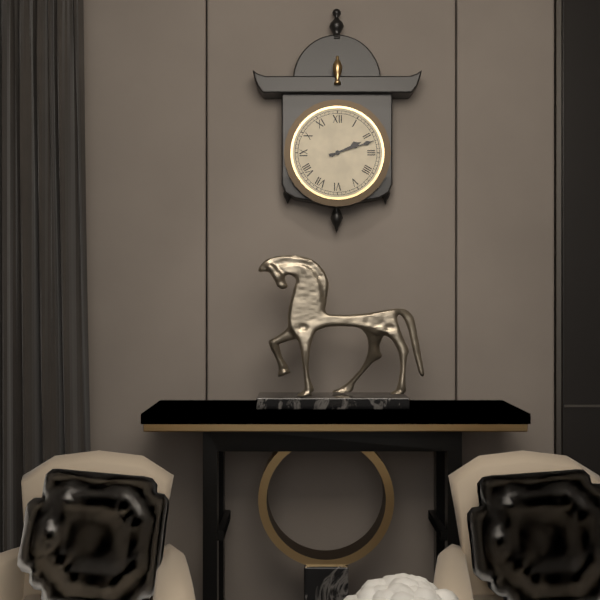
2:12
